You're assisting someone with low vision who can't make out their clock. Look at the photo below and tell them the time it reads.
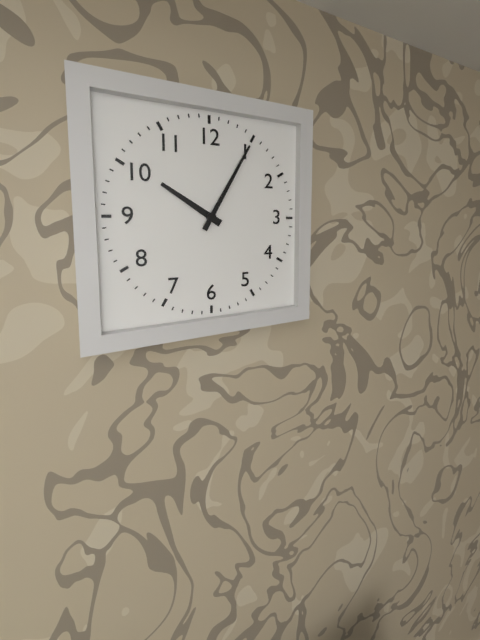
10:05
